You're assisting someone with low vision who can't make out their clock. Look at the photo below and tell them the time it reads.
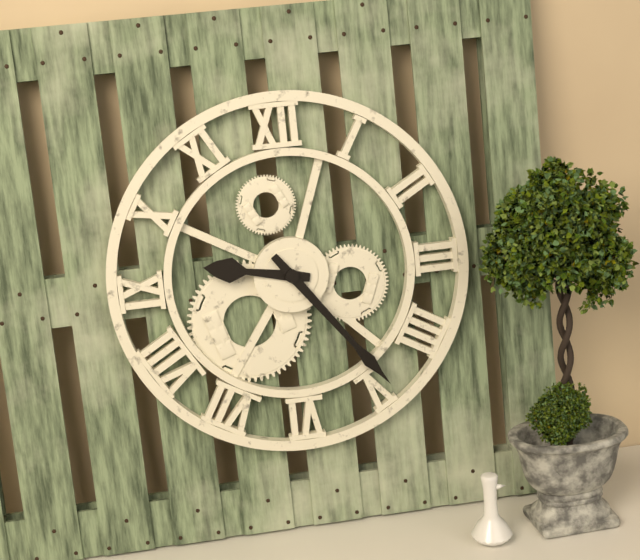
9:24
